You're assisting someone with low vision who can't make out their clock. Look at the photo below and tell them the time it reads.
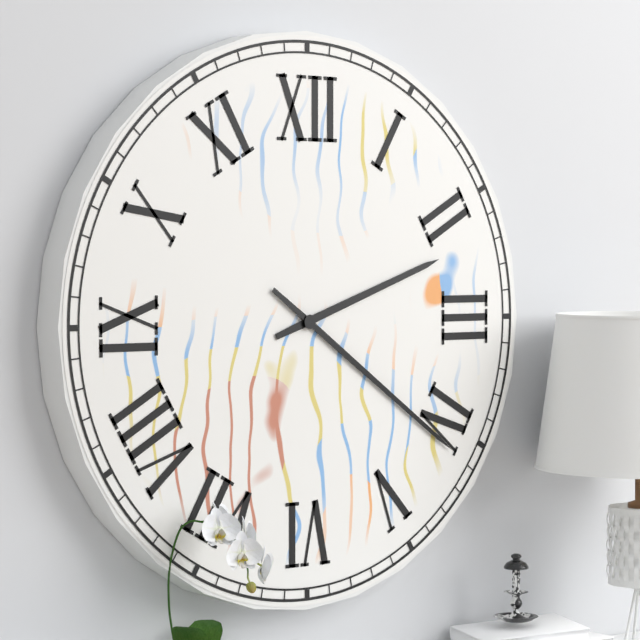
2:21
